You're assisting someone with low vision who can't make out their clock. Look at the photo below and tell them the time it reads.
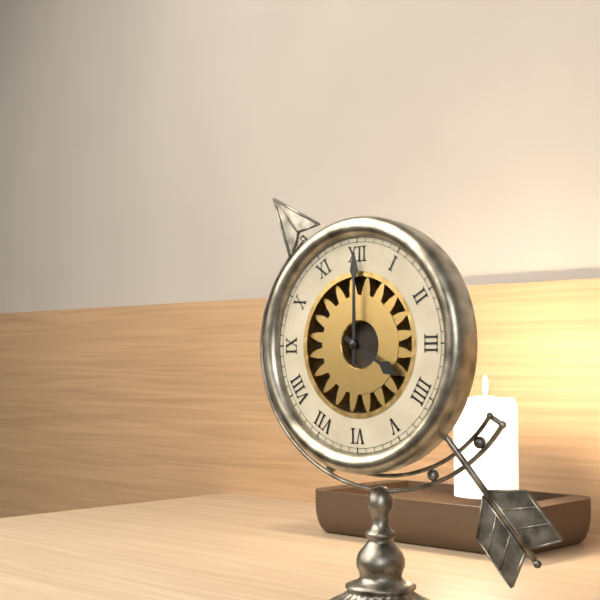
4:00
